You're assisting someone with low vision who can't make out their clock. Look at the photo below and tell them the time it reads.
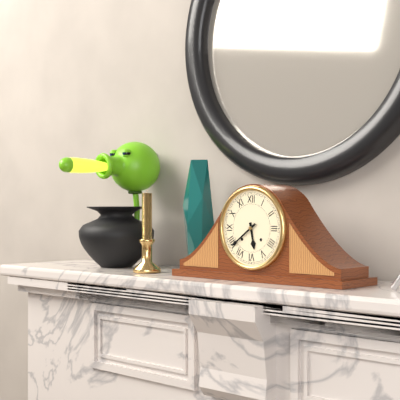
5:39
